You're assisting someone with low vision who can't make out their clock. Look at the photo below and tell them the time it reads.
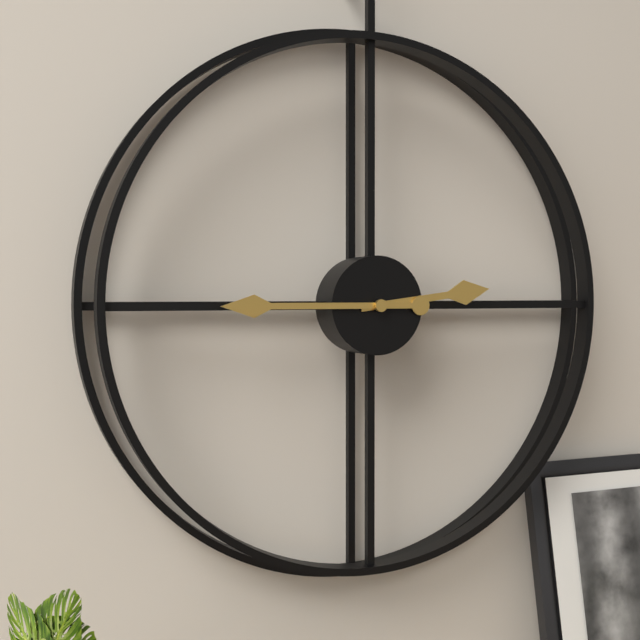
2:45
